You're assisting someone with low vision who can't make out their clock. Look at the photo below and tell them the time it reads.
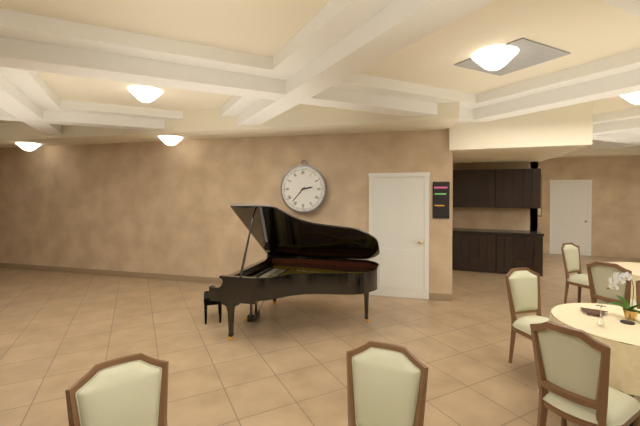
2:37
